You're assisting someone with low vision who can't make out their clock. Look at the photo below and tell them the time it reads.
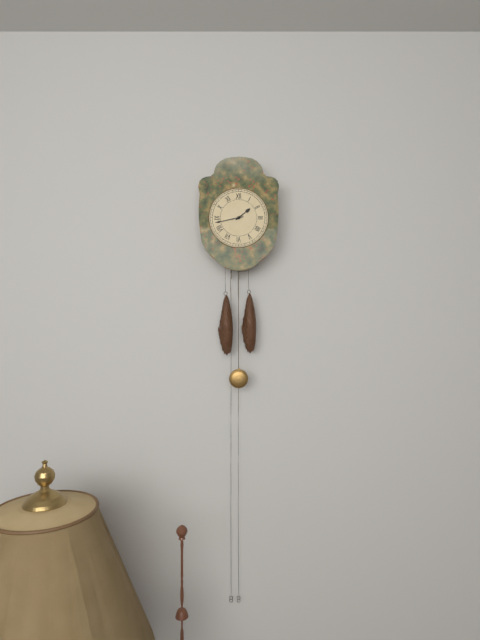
1:43
